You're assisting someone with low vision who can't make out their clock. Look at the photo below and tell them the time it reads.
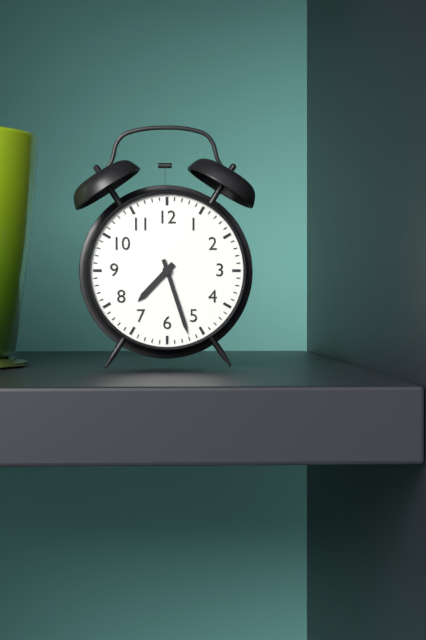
7:27
